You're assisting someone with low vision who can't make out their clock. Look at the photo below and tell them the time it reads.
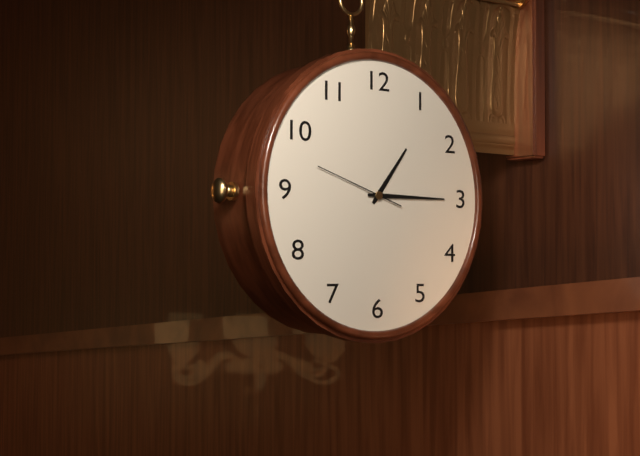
1:15:48
